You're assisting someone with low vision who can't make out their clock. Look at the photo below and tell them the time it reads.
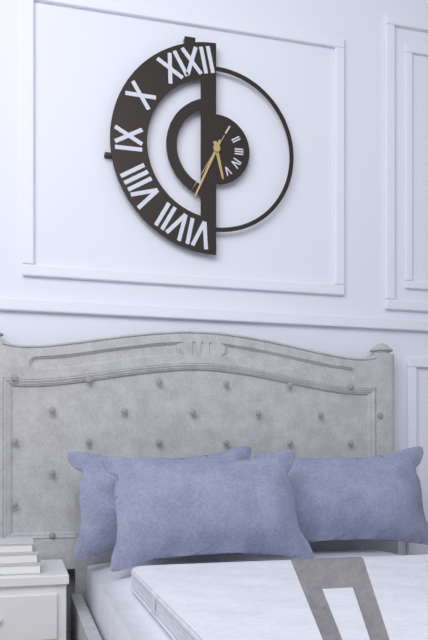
5:34:35
